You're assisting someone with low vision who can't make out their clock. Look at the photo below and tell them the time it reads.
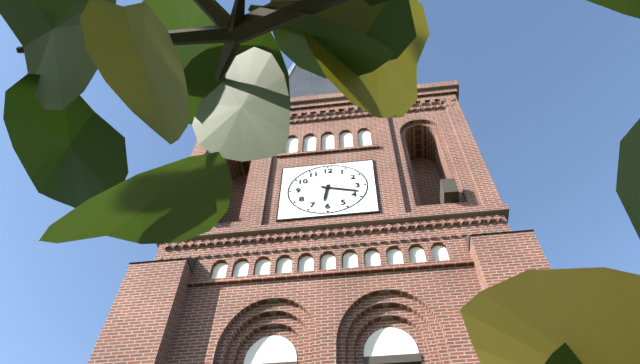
6:18
